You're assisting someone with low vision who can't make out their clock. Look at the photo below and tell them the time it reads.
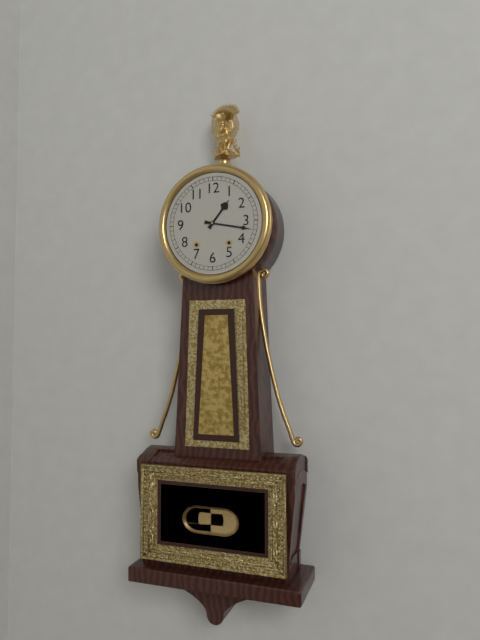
1:17
